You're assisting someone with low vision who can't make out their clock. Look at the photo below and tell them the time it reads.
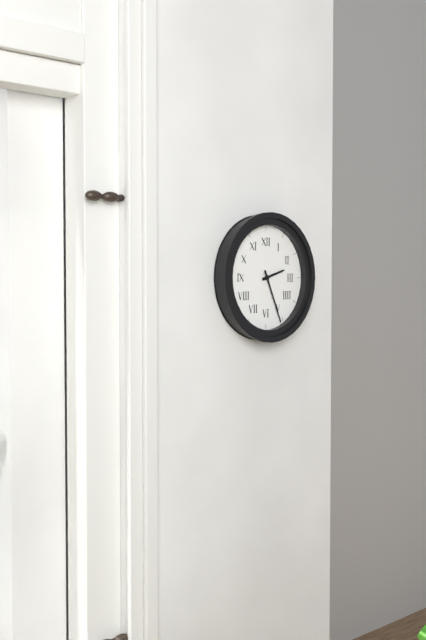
2:26
